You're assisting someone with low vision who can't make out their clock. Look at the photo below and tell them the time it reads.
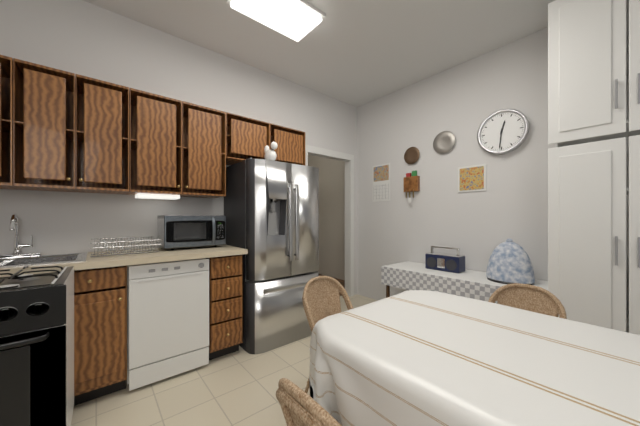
12:31
